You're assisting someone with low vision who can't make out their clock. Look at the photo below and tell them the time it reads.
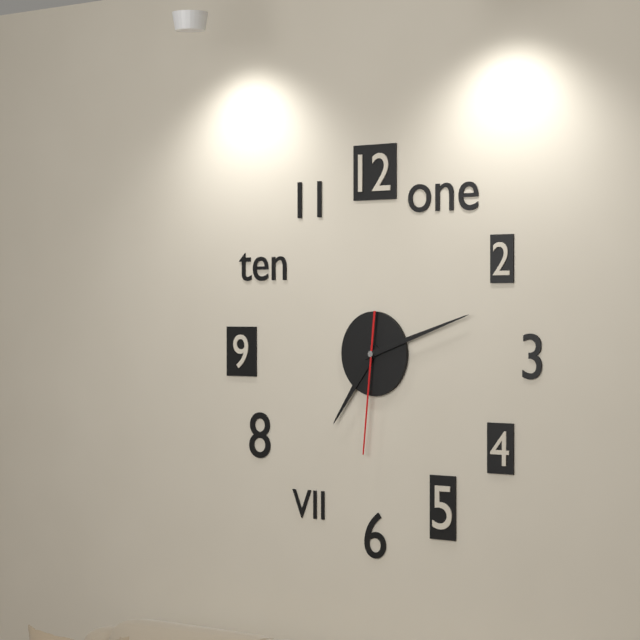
7:12:31
